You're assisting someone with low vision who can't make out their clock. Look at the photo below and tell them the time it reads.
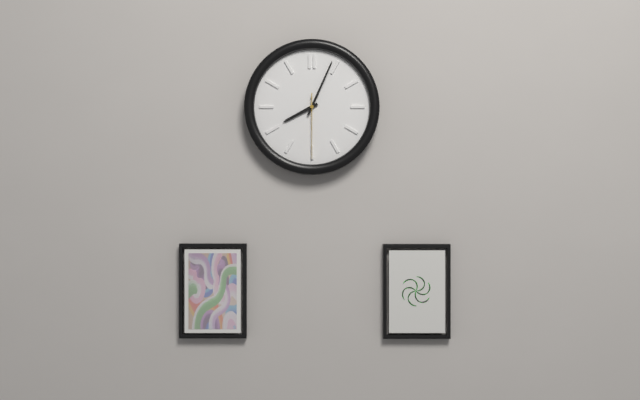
8:04:30
